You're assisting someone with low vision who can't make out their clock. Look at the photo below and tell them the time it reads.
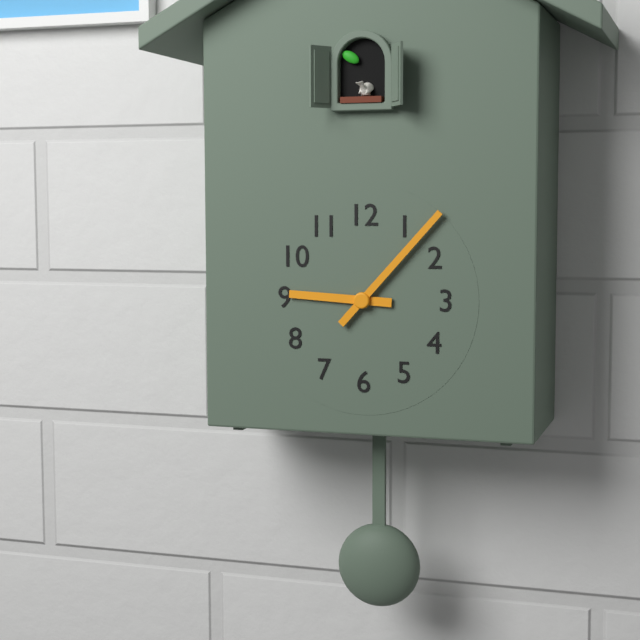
9:07
